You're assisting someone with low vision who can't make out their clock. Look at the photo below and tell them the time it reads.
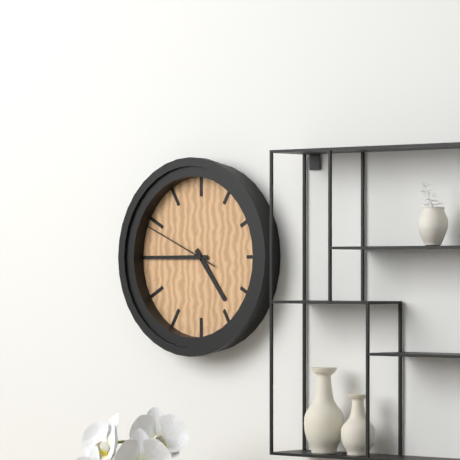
4:45:49
